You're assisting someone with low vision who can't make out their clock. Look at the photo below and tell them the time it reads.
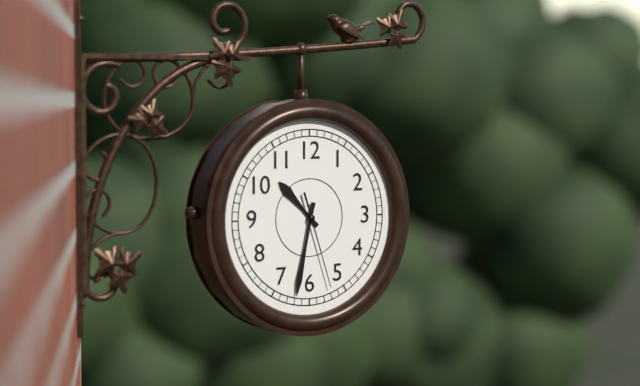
10:32:27
